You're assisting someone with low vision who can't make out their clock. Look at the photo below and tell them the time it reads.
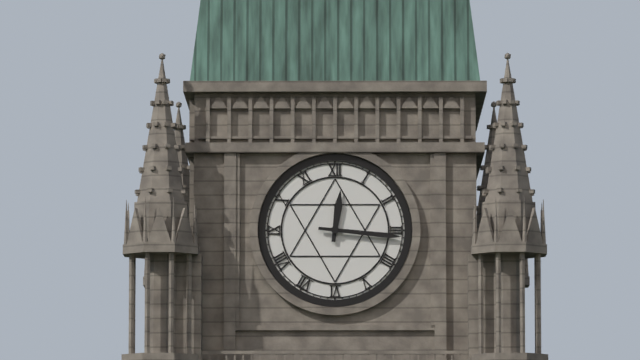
12:16
